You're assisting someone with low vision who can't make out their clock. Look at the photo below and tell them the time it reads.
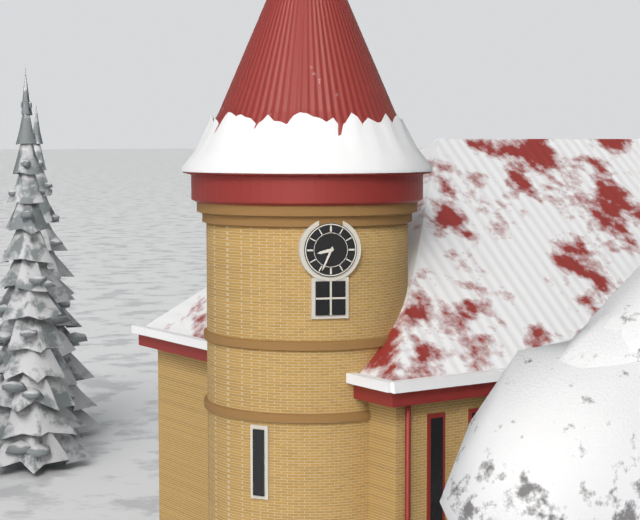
8:34
